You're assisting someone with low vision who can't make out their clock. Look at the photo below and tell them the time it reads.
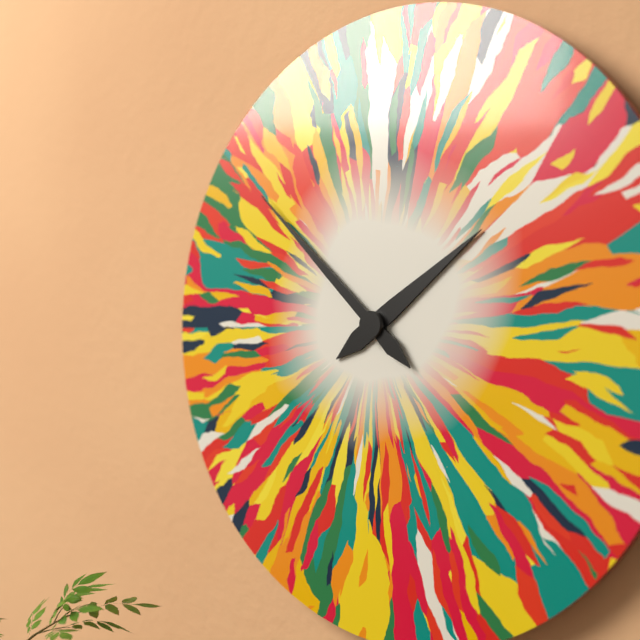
1:52
